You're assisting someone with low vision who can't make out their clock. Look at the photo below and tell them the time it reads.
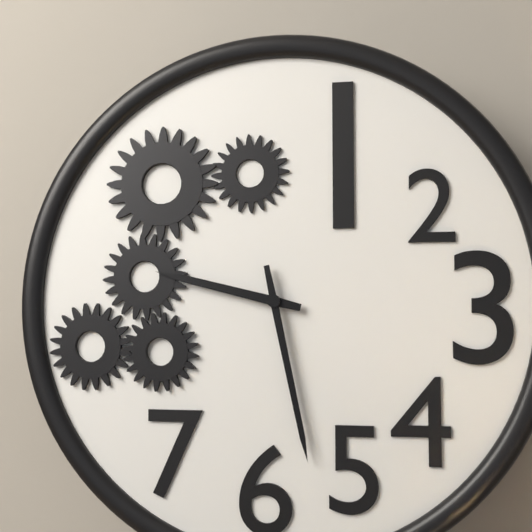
9:28
